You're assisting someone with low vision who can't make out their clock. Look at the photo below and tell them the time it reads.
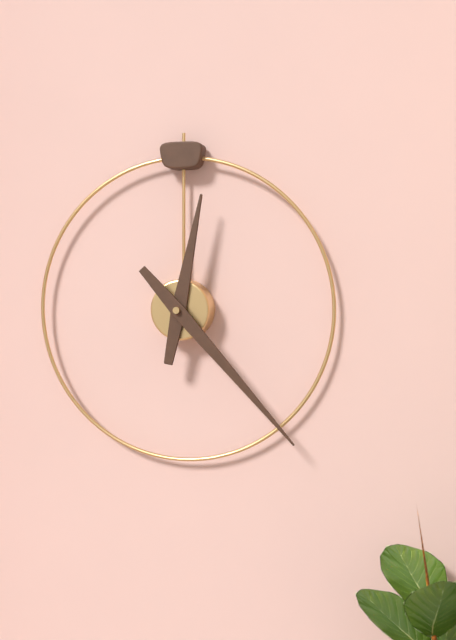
12:23
